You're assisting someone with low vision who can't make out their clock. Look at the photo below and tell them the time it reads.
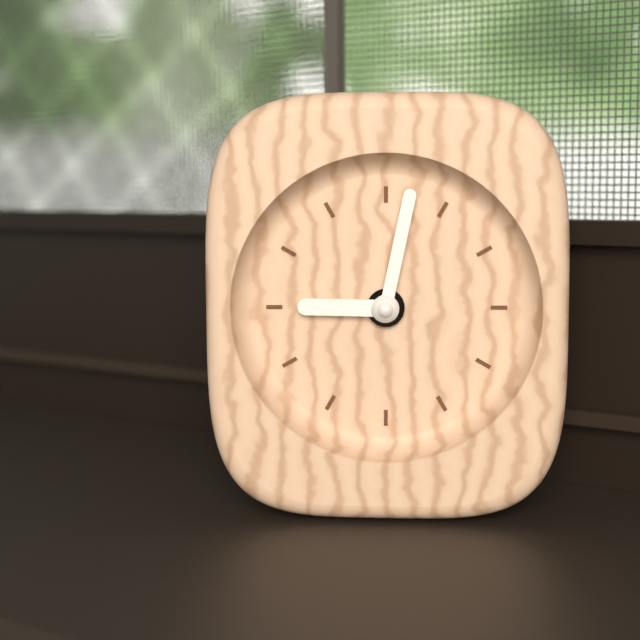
9:02
